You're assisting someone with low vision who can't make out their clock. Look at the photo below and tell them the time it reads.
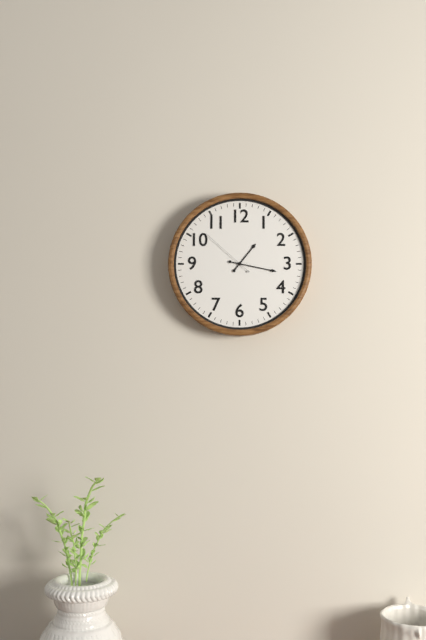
1:17:52
